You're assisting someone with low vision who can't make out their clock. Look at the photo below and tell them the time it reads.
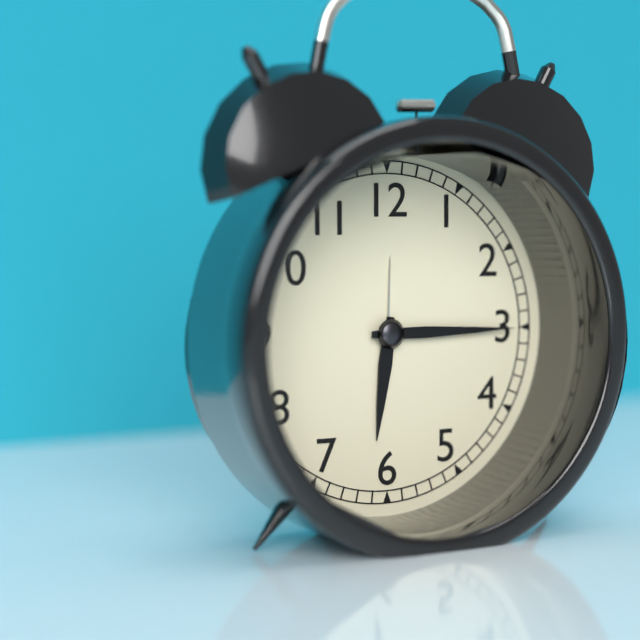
6:15
